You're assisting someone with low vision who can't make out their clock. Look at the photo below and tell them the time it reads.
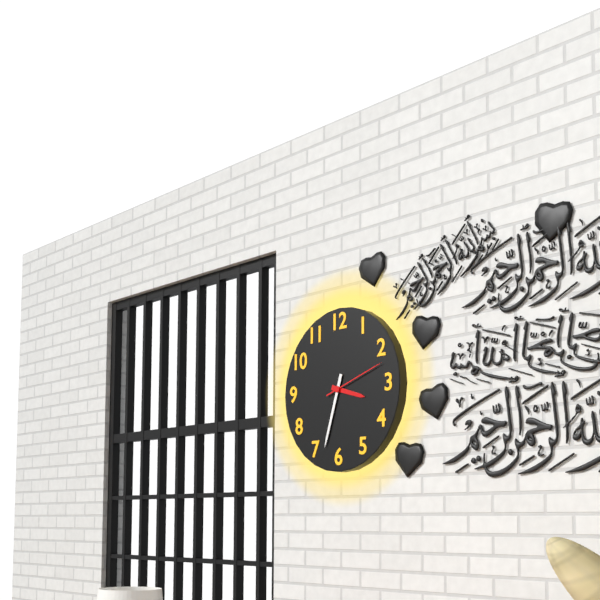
3:33:12
